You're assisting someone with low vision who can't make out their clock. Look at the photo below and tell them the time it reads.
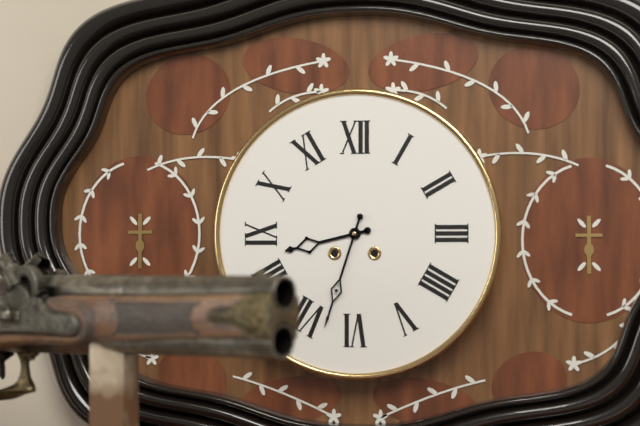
8:33
